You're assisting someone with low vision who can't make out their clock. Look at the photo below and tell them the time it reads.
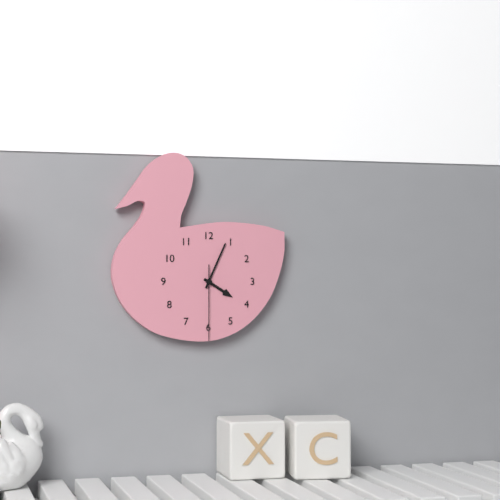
4:04:30
